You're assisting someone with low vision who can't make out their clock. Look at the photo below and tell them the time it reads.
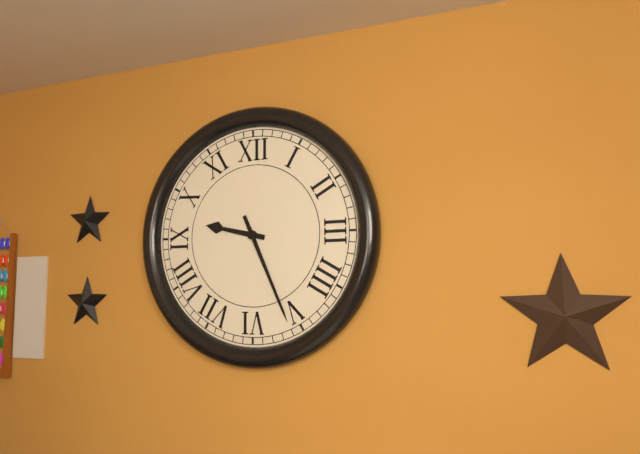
9:26
